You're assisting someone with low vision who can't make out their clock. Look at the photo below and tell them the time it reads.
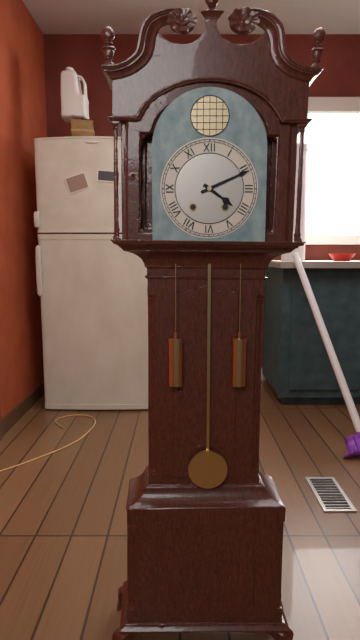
4:11
